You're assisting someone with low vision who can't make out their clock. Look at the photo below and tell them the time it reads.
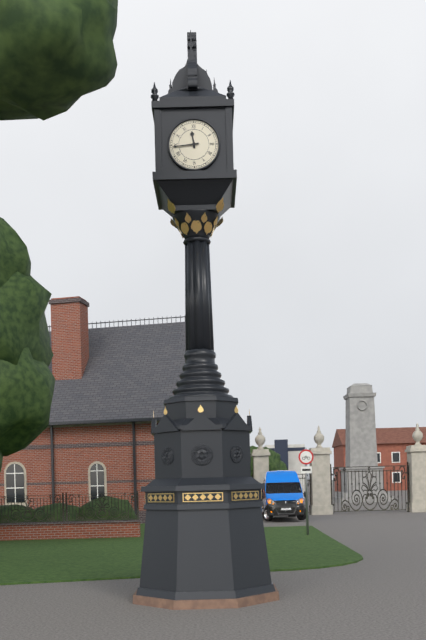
11:44
